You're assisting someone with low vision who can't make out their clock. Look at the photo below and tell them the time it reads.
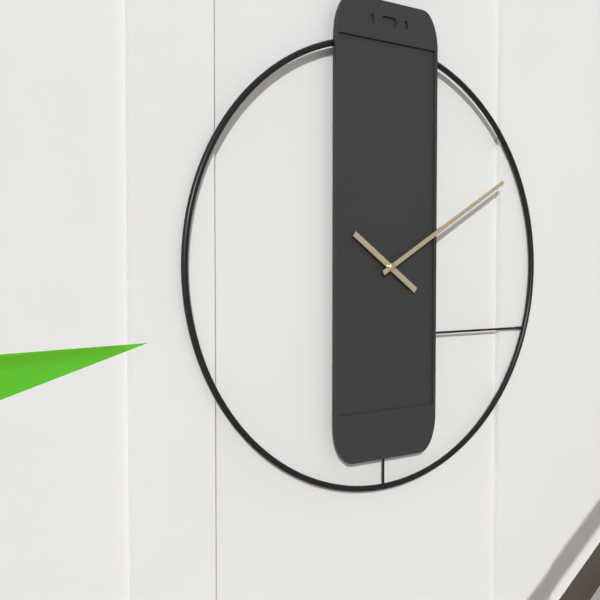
10:10
